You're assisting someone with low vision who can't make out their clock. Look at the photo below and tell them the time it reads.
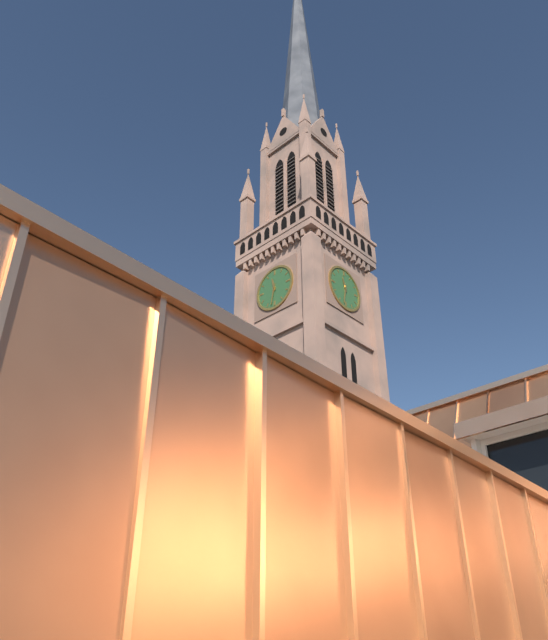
11:32
